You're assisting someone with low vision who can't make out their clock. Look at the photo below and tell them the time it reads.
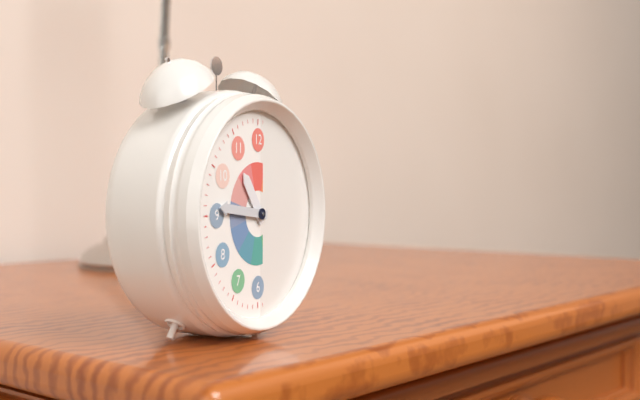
10:46
